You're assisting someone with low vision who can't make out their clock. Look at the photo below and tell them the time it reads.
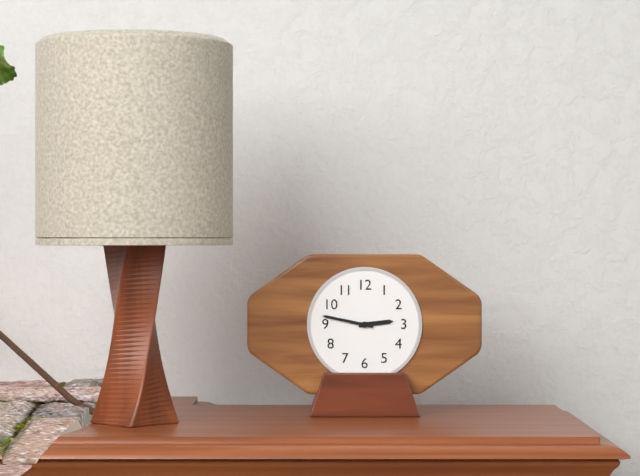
2:47
